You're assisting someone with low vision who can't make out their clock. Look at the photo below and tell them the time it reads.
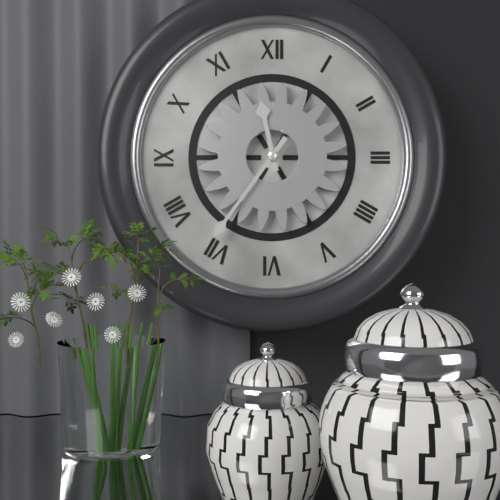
11:36
